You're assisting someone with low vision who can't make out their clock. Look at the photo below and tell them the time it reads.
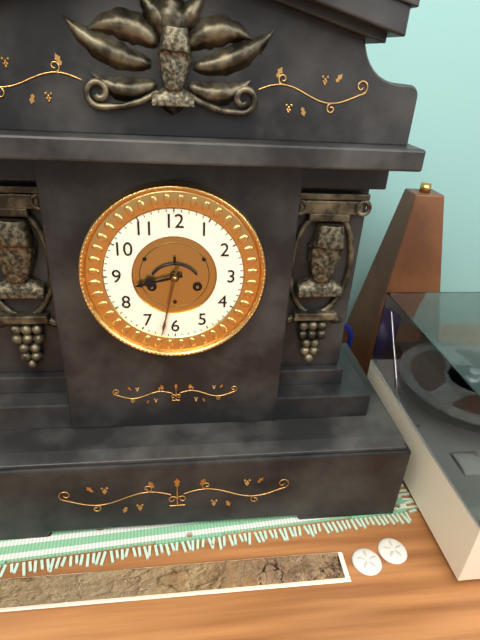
8:32
